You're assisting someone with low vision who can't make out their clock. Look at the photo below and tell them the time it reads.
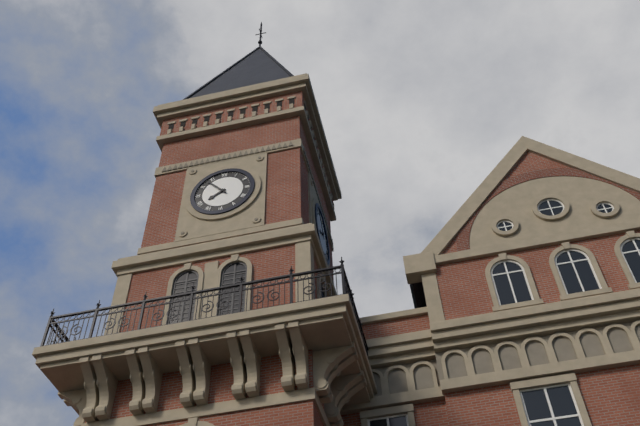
7:53
